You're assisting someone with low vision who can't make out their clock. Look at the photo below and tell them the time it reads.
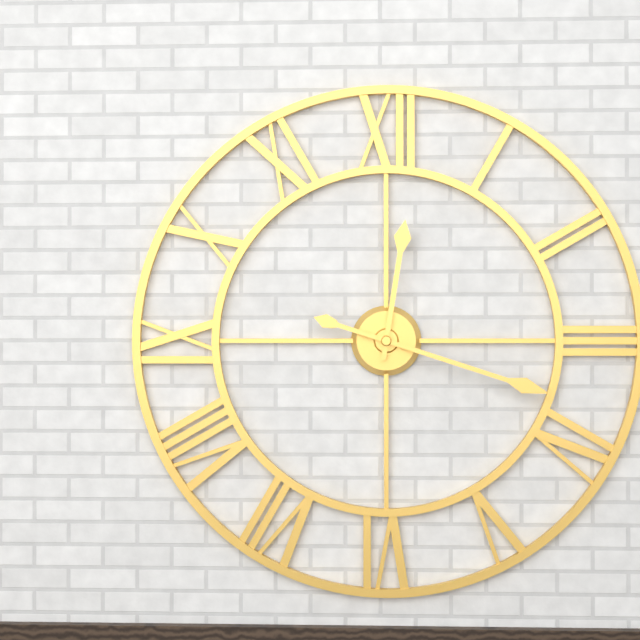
12:18
